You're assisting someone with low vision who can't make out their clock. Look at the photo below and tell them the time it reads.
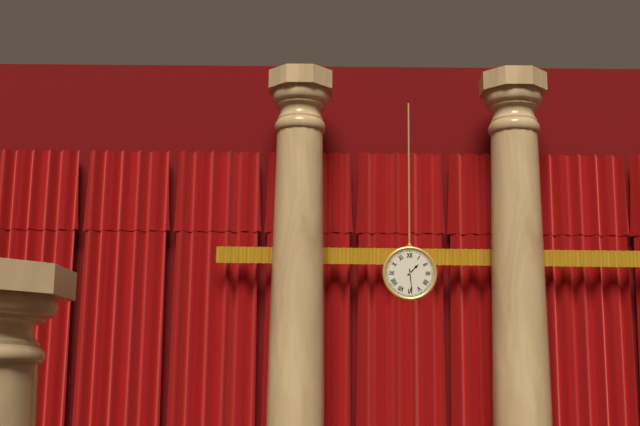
1:29
